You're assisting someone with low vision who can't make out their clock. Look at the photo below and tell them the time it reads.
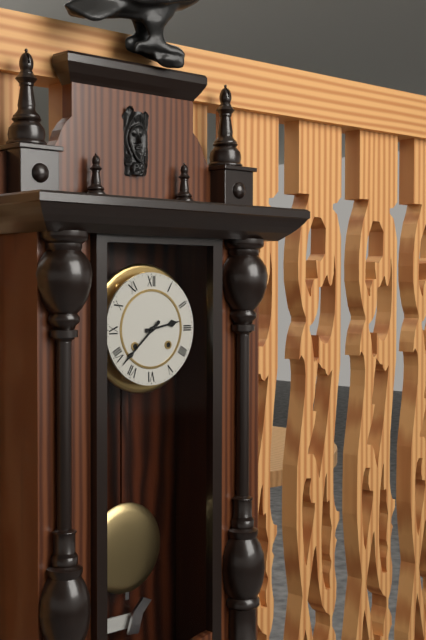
2:38
